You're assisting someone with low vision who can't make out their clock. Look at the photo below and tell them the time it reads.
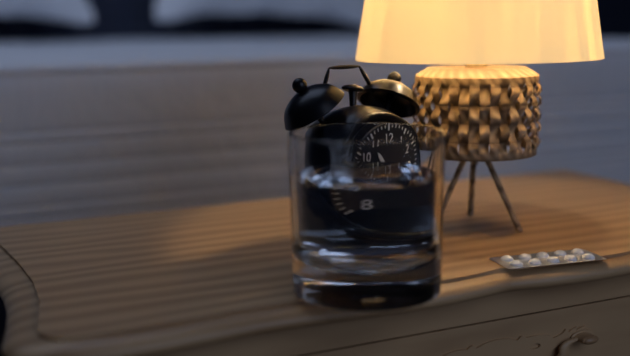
10:48
